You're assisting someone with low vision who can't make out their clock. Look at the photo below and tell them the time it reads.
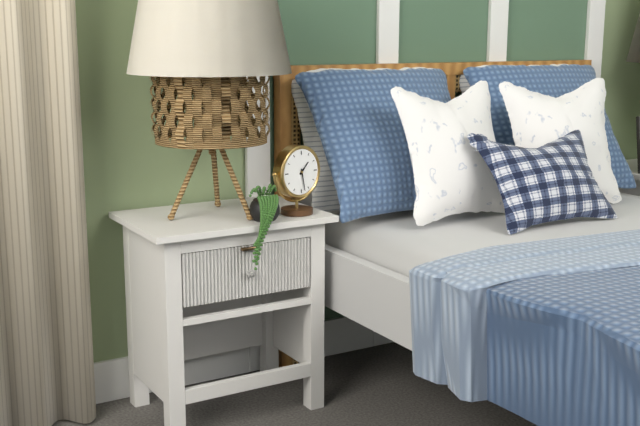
1:28
